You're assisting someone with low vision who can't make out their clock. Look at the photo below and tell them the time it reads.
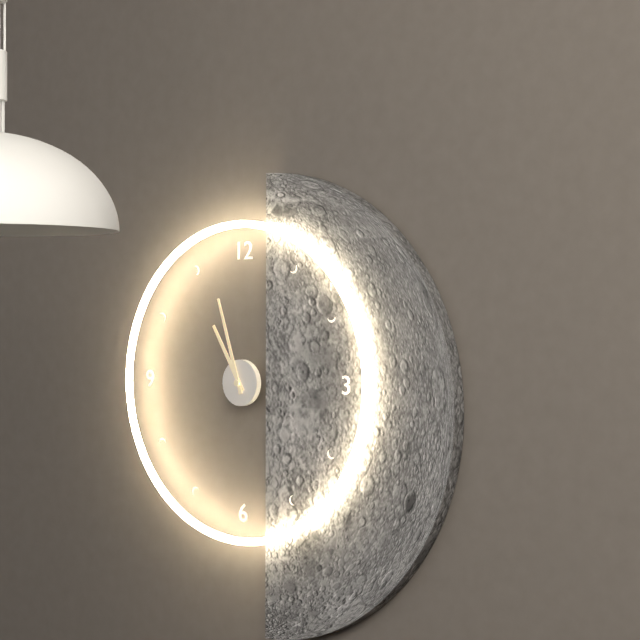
10:57
